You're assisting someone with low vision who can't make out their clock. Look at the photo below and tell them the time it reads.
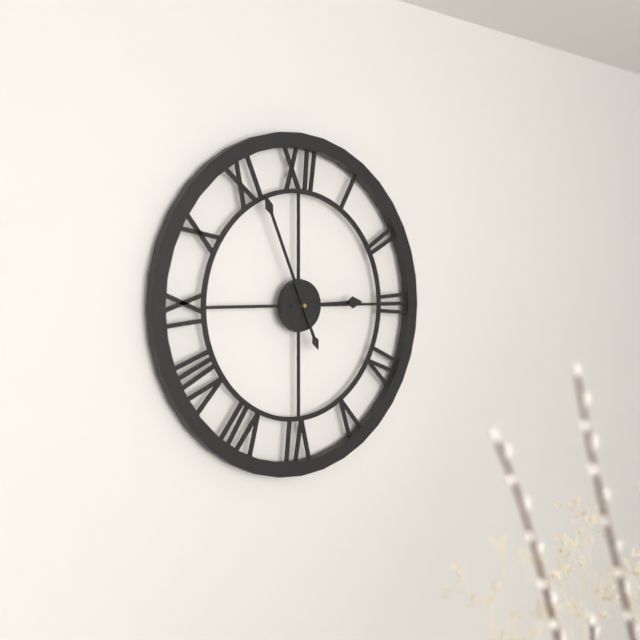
2:56
